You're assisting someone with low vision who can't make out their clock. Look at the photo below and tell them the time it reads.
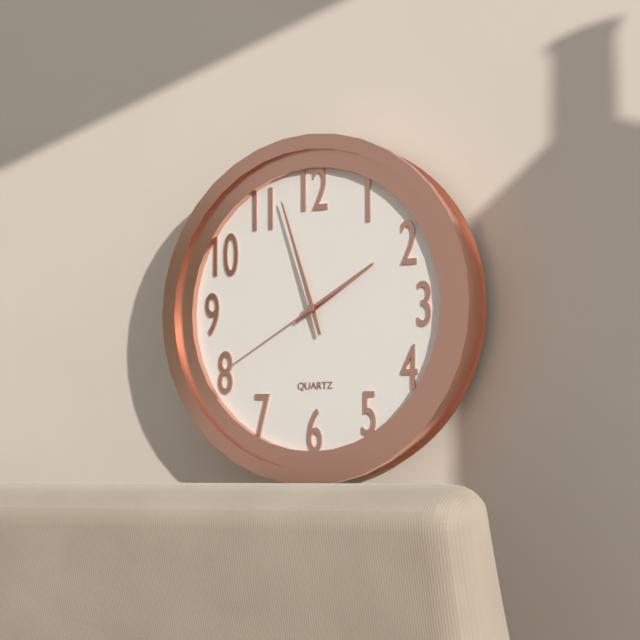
1:57:40
